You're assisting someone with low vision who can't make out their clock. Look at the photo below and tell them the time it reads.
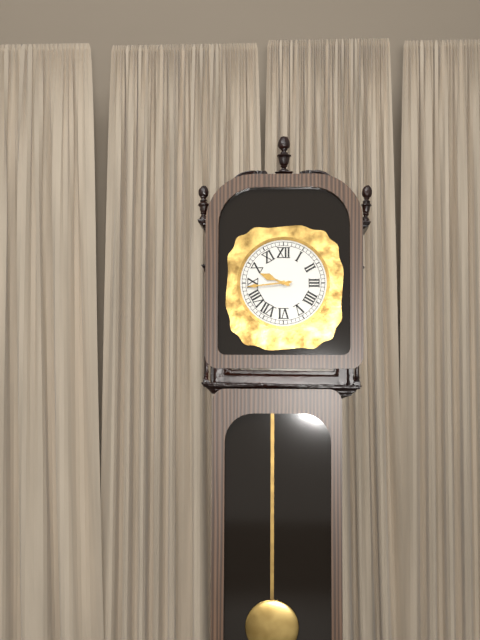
9:44
